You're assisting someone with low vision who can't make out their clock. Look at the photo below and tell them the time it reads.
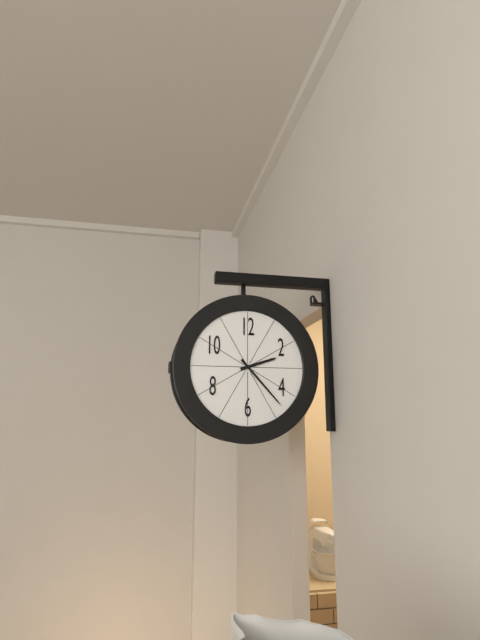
2:23
